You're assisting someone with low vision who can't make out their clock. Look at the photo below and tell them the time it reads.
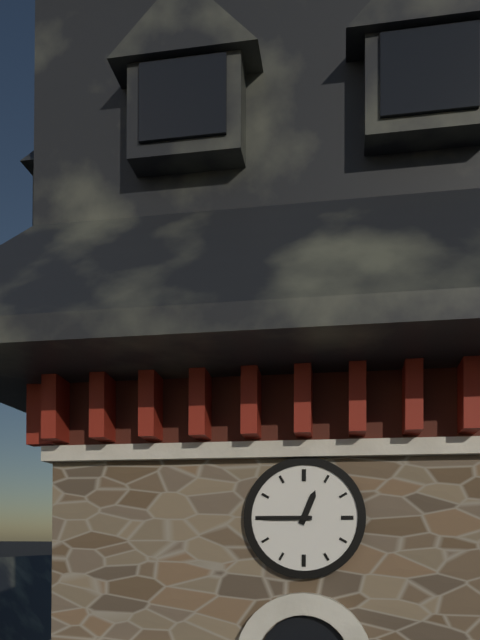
12:45
